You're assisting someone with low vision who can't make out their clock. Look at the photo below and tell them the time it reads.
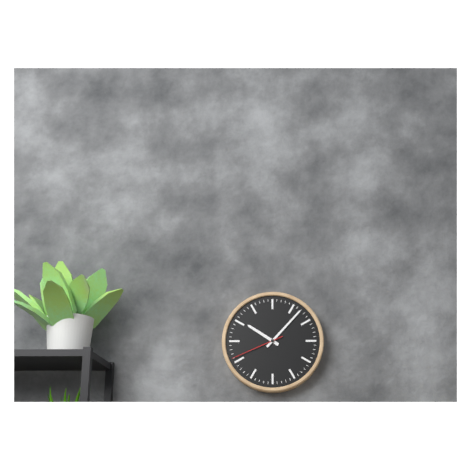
10:07:41
